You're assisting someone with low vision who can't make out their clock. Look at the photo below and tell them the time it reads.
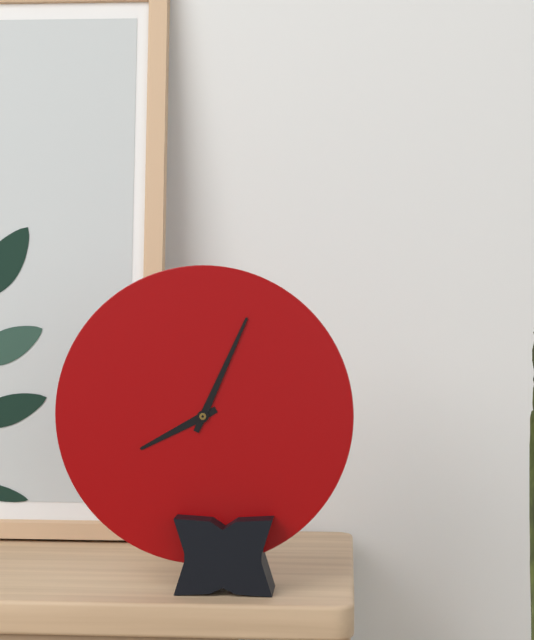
8:04
